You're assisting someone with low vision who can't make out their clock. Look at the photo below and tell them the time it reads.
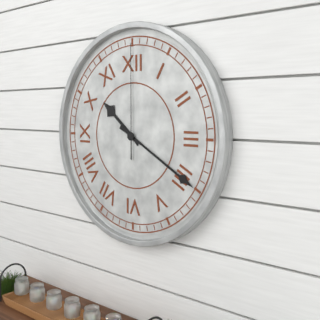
10:20:00
